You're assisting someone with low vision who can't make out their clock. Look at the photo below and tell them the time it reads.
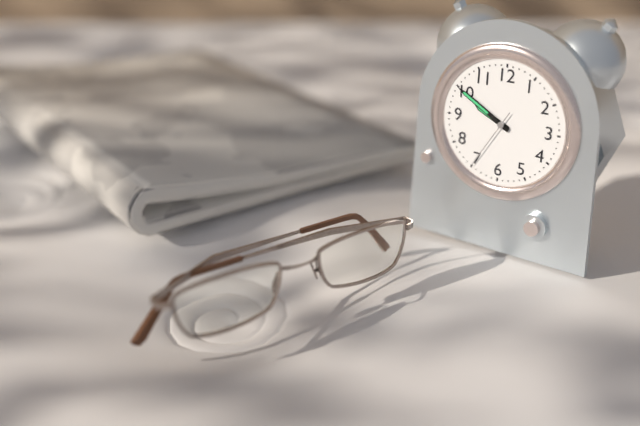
9:50:35
